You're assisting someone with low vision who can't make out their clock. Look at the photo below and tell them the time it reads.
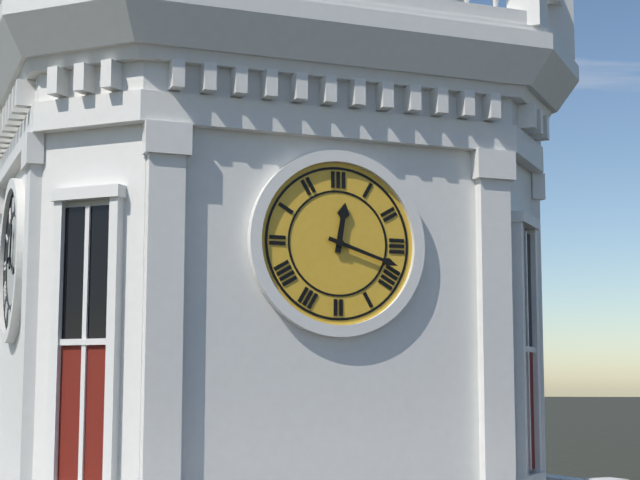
12:18
